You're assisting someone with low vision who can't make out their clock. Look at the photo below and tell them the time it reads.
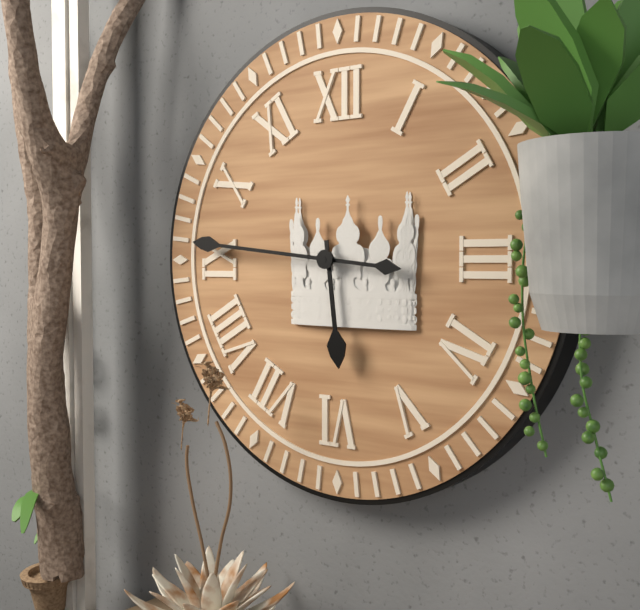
5:46
